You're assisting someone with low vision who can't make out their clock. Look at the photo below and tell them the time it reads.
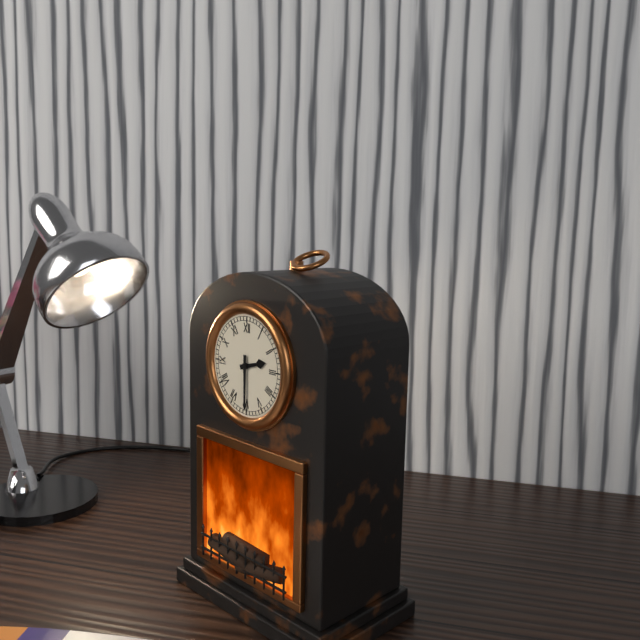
2:30
